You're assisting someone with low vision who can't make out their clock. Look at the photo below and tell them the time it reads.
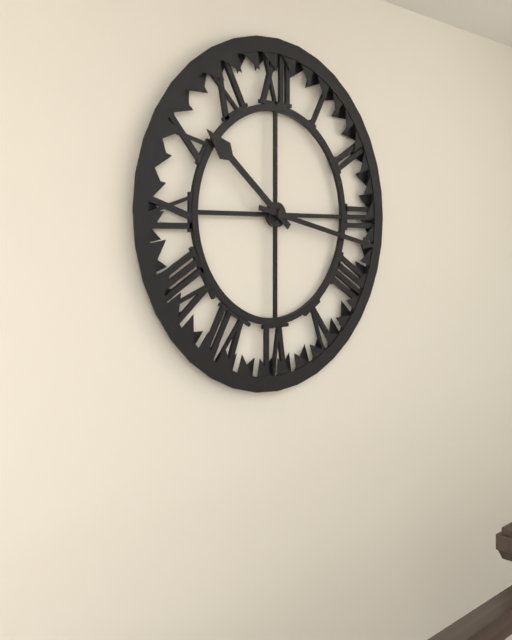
10:17
